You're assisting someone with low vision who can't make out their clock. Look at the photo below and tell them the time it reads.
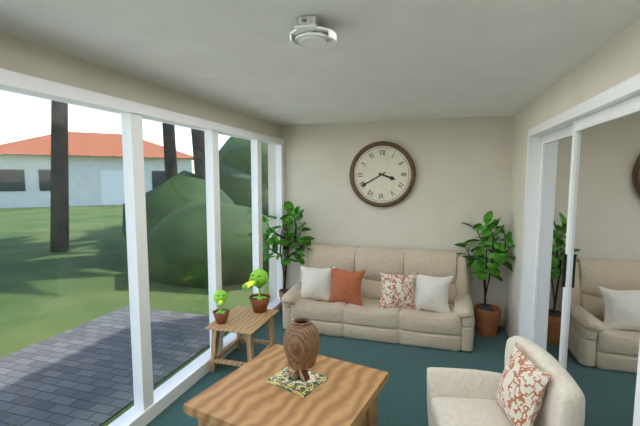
3:40
